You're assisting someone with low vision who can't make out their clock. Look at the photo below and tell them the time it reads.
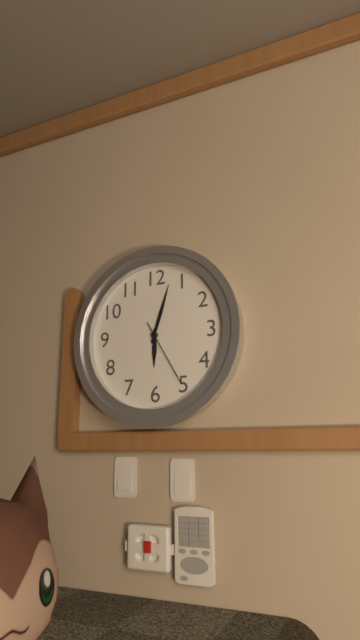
6:03:25
